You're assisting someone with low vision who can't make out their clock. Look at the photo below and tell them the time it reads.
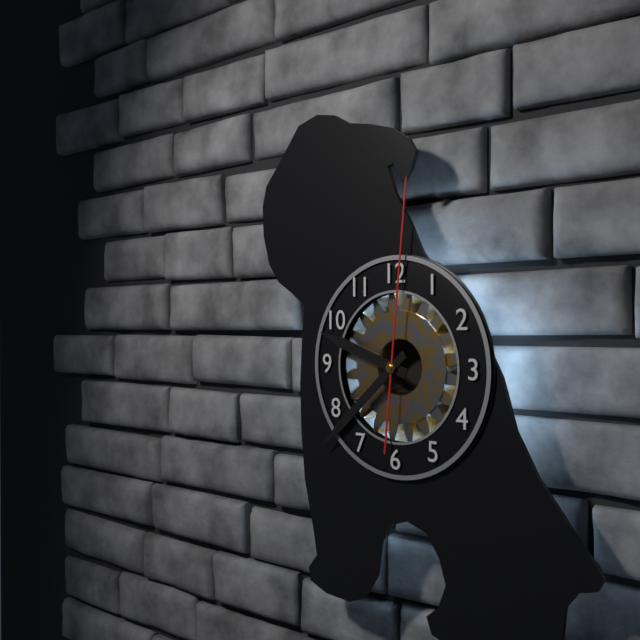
9:38:01
